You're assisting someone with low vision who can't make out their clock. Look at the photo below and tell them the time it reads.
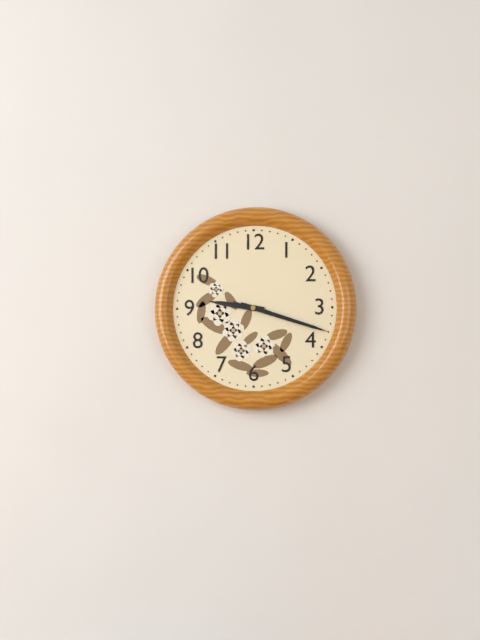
9:18:18
